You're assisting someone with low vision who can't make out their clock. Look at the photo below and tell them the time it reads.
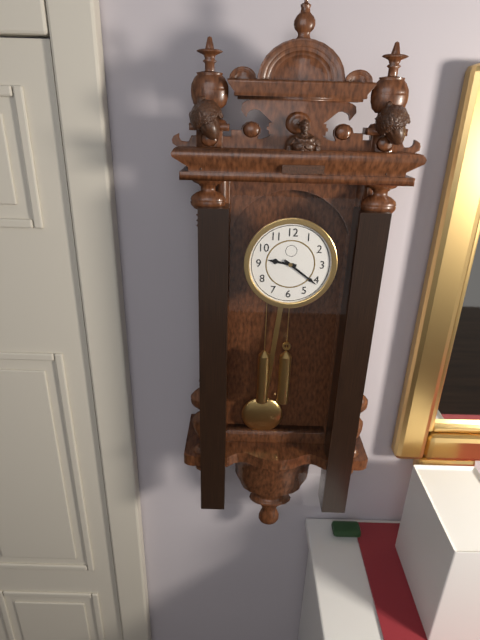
9:21
